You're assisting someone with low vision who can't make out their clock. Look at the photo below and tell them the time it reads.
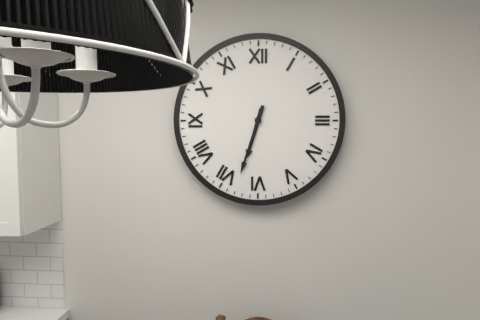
6:33
